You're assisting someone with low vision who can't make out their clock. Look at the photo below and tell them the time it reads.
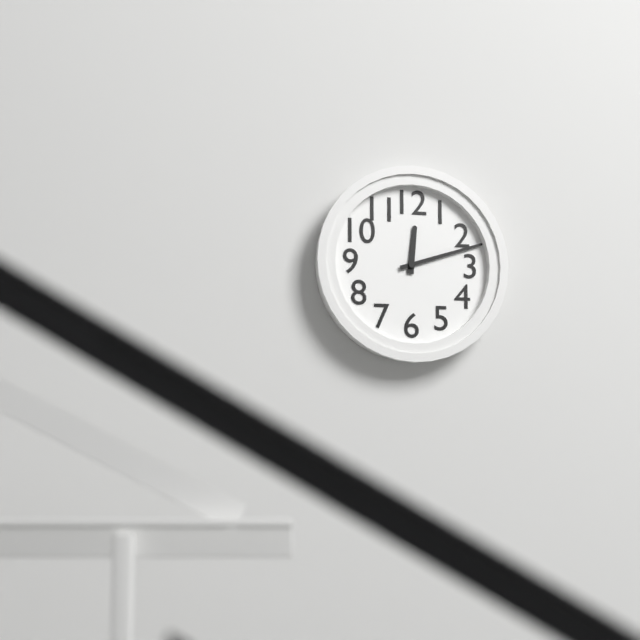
12:12
